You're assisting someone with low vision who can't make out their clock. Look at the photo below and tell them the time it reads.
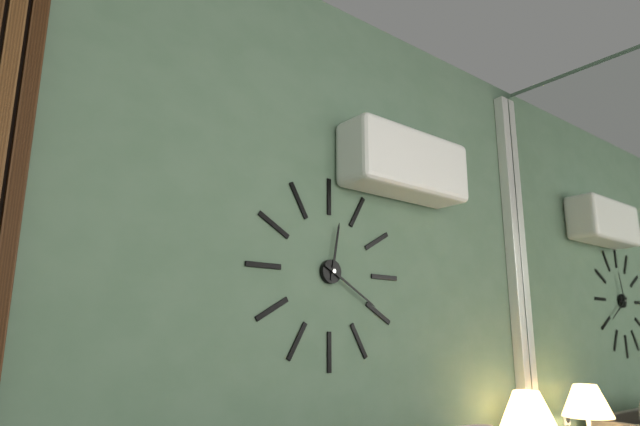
12:20
